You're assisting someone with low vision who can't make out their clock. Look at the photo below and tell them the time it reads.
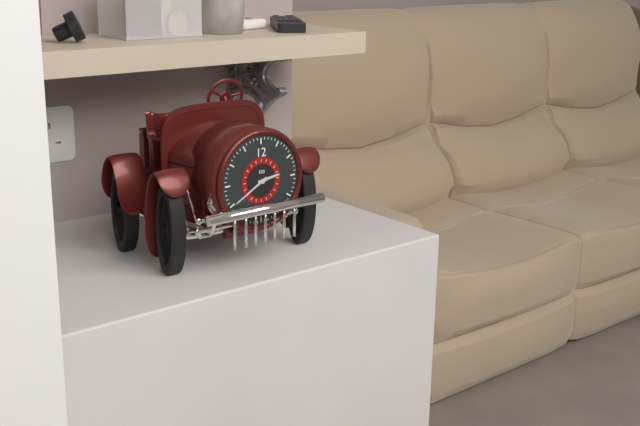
2:40
